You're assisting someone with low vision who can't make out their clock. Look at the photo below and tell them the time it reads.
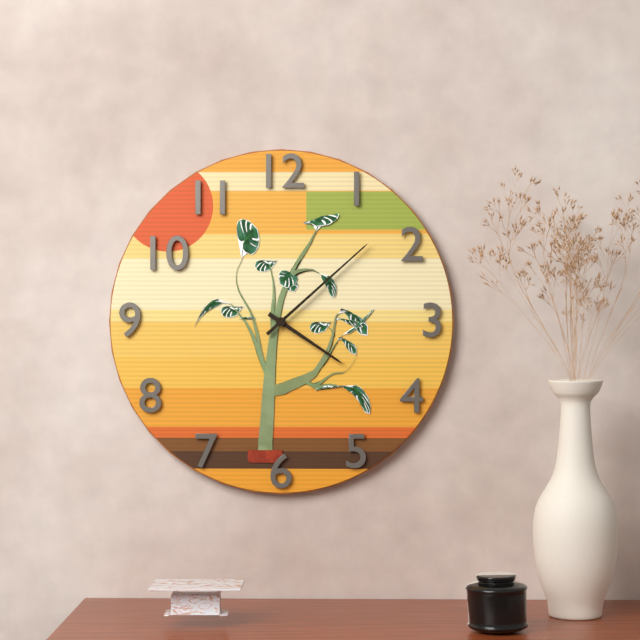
4:08
